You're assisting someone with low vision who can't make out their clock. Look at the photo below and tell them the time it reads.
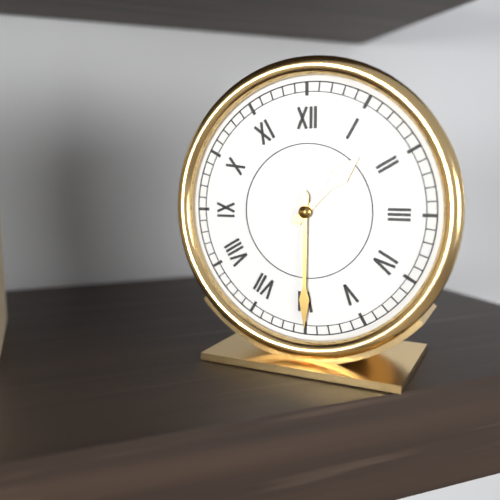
1:30
